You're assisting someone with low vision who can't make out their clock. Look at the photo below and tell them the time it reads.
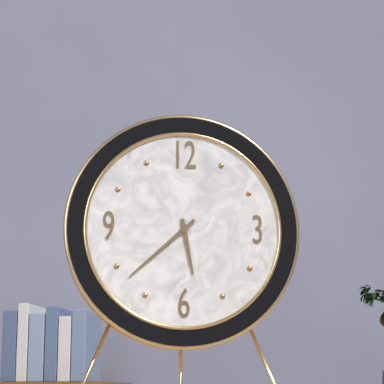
5:38
